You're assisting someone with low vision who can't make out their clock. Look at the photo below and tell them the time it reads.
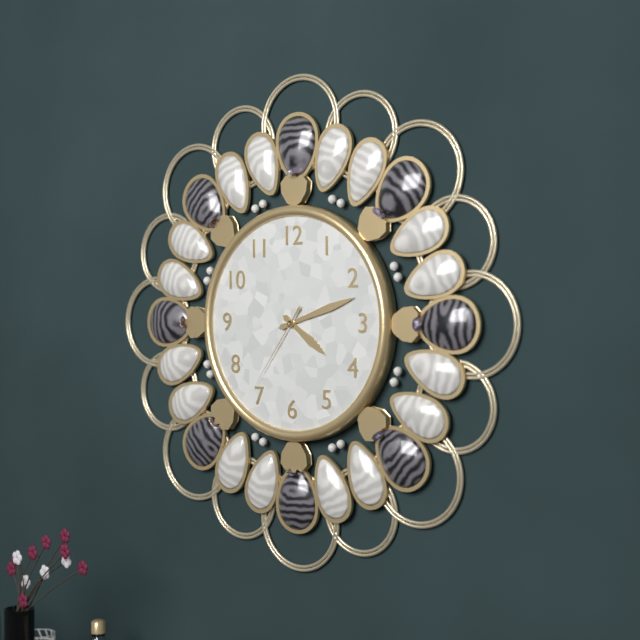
4:12:36
